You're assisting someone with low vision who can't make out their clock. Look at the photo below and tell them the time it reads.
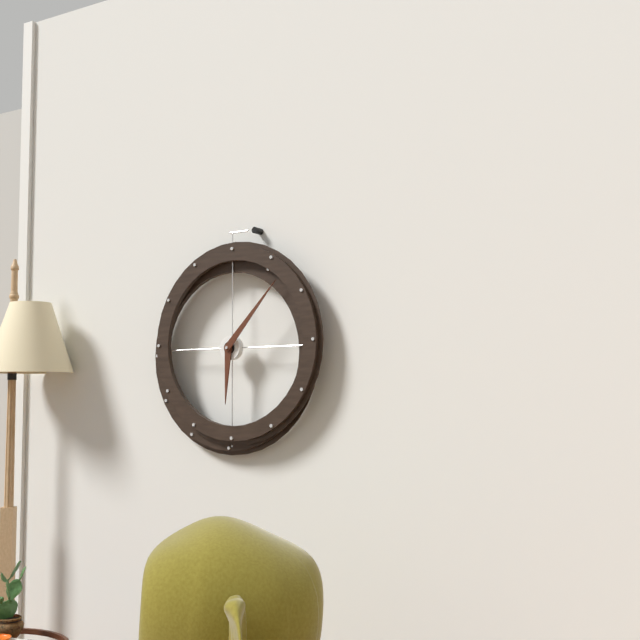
6:07
